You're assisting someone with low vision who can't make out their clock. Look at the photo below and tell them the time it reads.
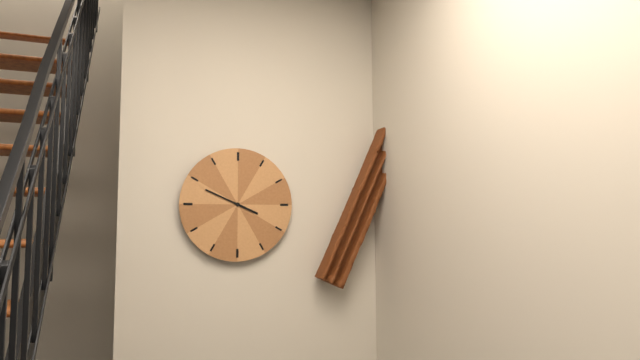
3:49
